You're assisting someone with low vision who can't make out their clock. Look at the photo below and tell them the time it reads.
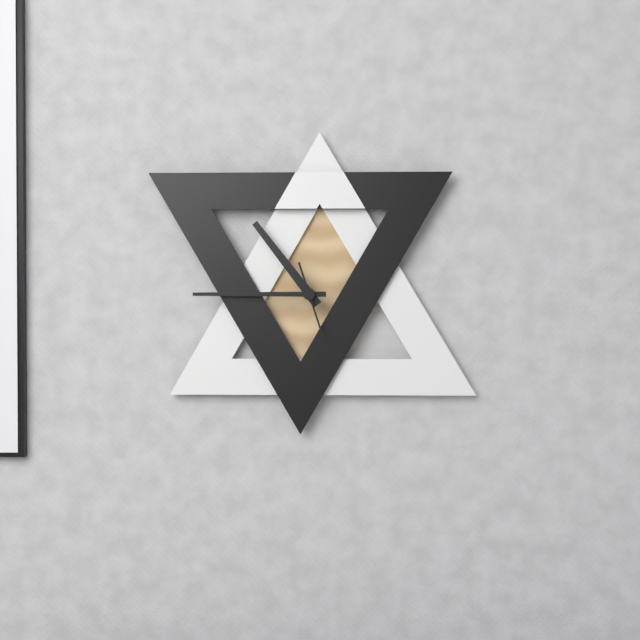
10:45:27
